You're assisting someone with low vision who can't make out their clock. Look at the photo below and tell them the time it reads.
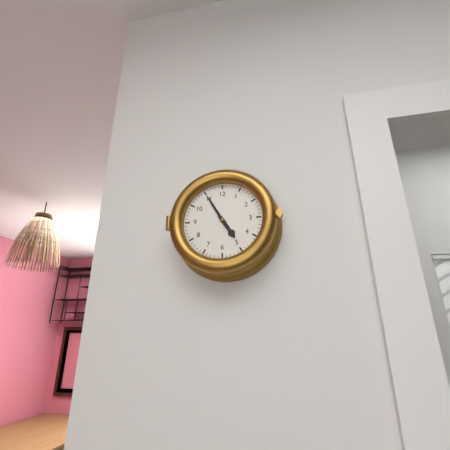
4:55
